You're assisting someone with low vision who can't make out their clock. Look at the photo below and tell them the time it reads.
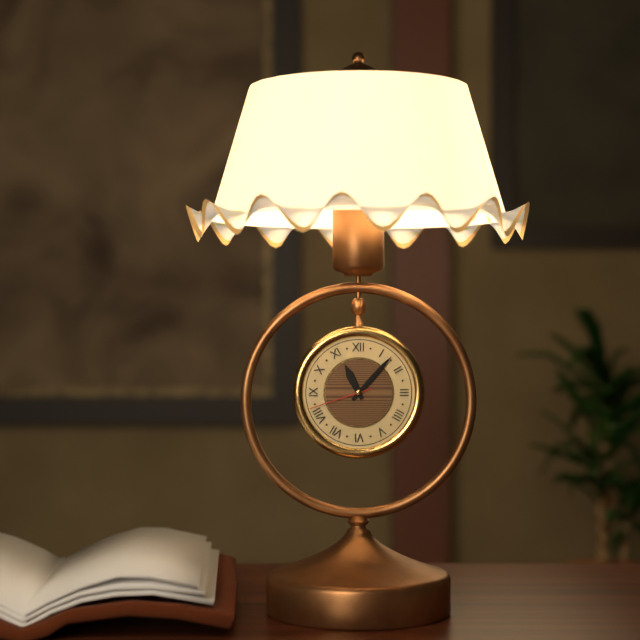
11:07:42
